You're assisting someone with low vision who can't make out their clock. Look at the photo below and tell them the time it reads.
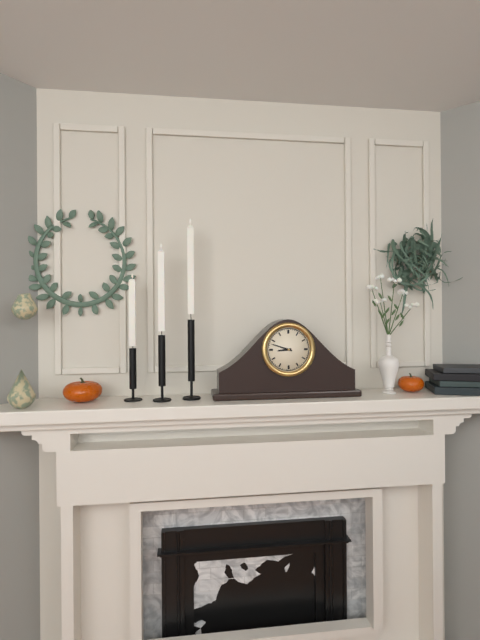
8:48
